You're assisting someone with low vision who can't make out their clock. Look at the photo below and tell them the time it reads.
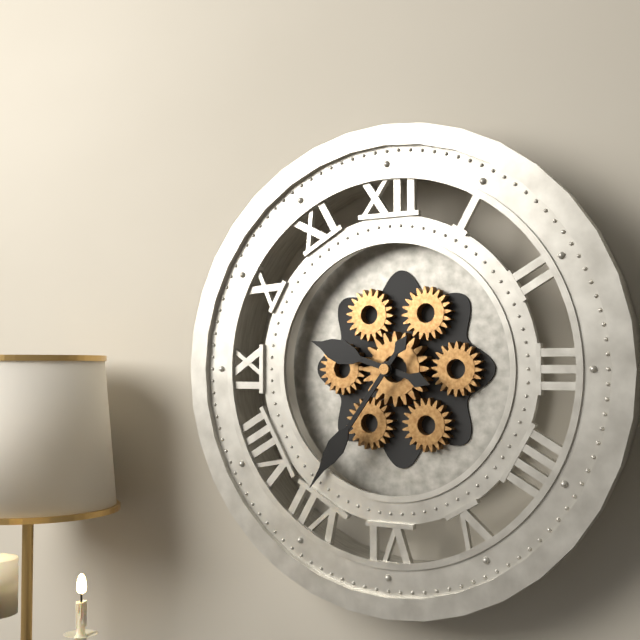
9:36
